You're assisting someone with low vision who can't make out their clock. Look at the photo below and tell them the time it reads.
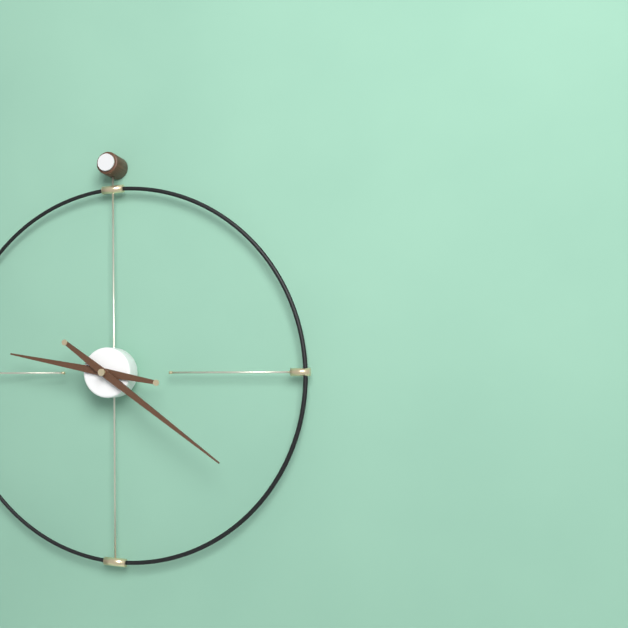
9:21
